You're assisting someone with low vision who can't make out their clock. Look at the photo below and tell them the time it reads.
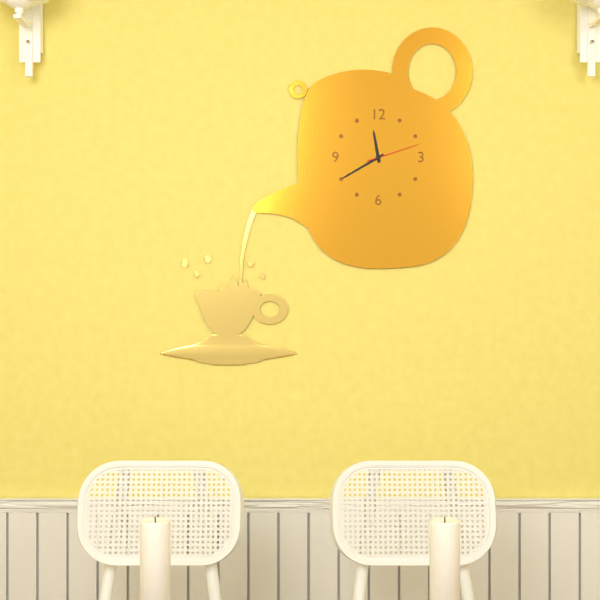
11:40:12
